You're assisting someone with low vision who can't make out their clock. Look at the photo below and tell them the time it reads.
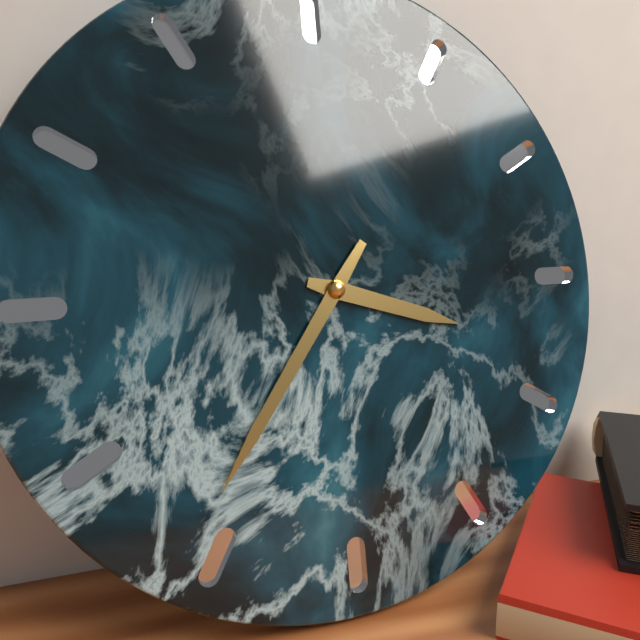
3:36
